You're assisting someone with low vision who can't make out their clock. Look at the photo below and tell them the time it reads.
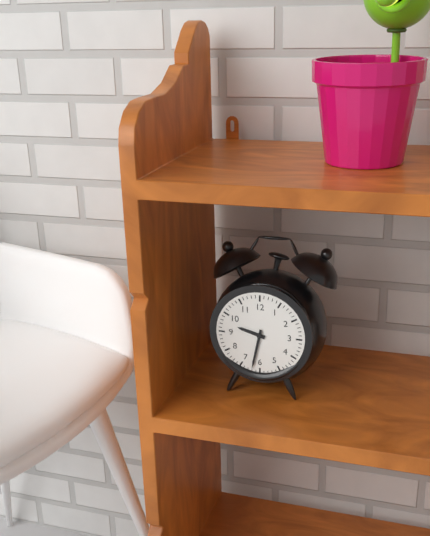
9:32
